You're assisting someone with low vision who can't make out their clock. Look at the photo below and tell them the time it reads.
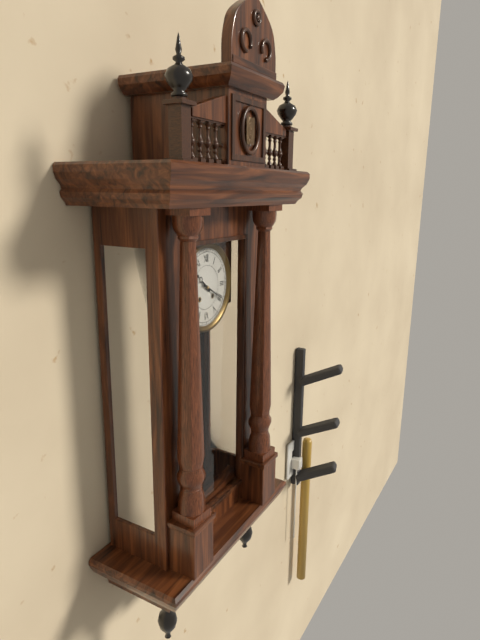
10:20
